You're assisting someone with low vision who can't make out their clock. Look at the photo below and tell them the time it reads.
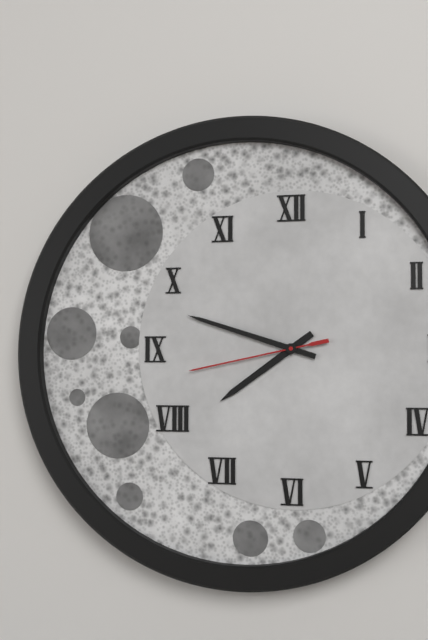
7:48:43
